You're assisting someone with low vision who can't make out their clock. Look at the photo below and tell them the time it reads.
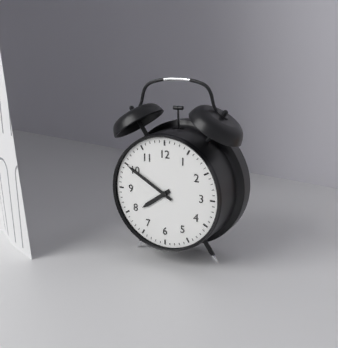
7:50
